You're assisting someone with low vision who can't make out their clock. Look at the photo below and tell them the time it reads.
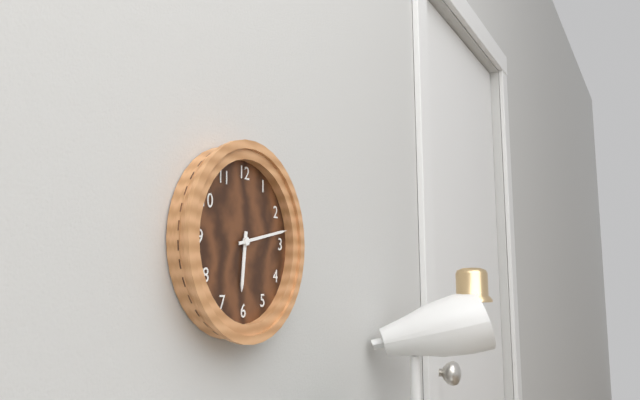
6:13
